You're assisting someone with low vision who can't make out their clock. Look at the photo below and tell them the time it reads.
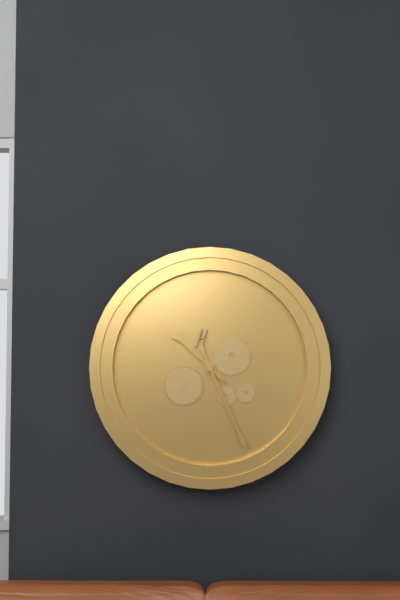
10:26
